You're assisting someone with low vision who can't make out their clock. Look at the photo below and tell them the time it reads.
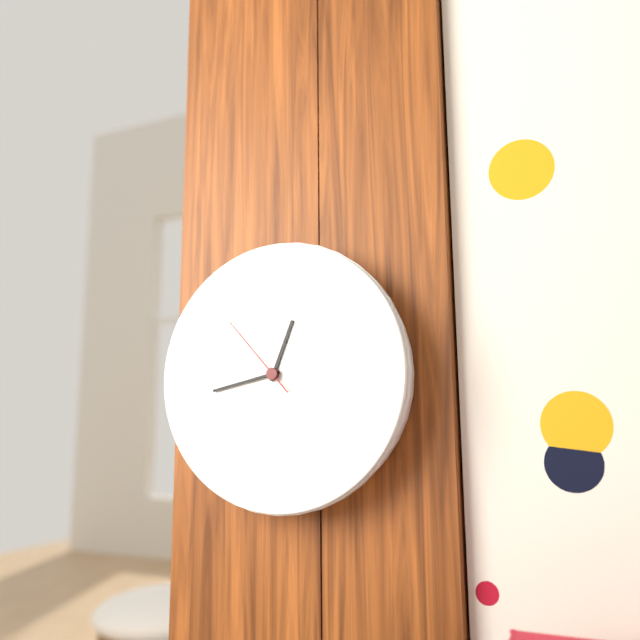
12:43:53
